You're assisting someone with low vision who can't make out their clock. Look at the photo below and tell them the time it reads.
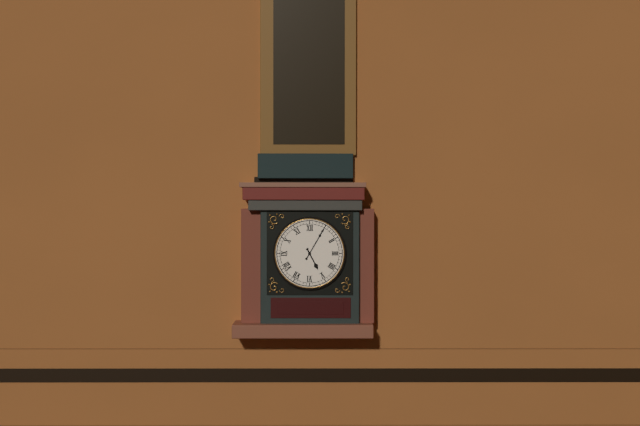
5:05
